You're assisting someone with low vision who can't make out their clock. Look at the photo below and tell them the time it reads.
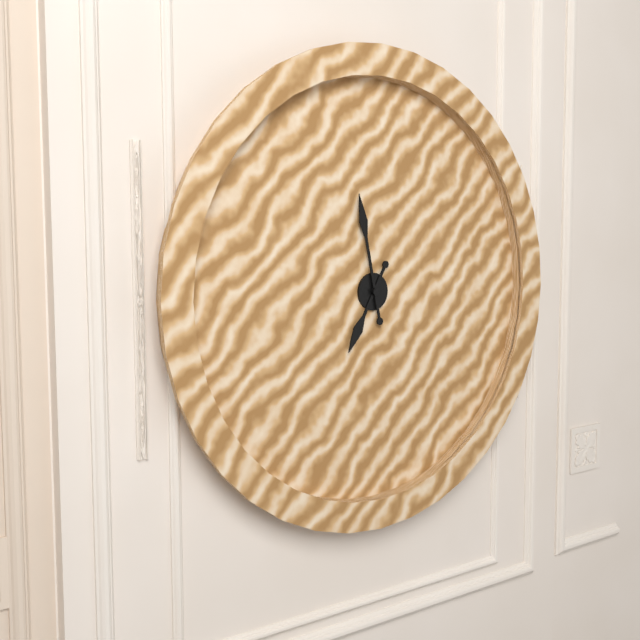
6:58
